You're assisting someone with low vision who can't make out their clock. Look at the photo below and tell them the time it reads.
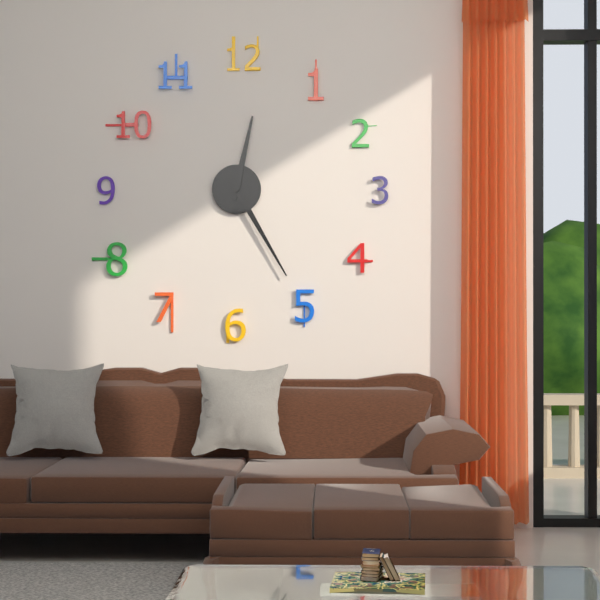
12:25
